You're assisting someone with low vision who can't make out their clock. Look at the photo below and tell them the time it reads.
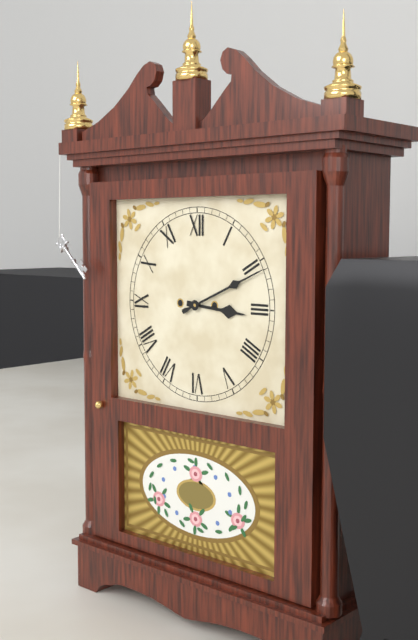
3:11
